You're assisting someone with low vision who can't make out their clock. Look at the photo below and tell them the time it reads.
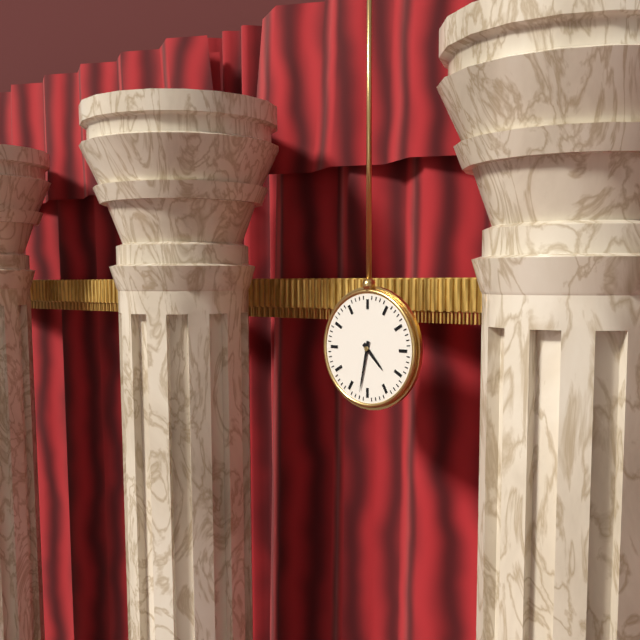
4:32
